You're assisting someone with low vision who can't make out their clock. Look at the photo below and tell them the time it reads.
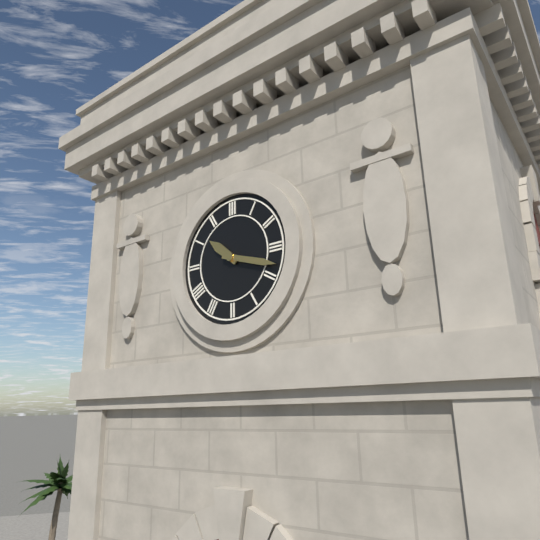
10:18
